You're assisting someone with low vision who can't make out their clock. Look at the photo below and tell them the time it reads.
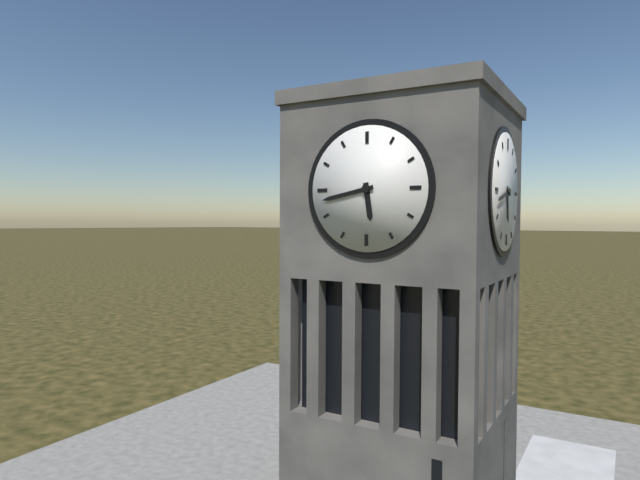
5:43
